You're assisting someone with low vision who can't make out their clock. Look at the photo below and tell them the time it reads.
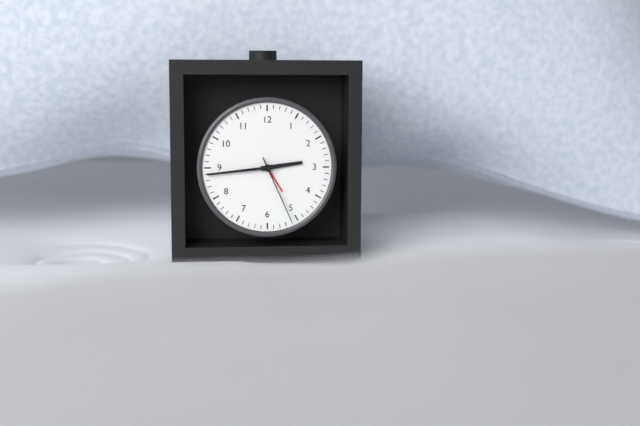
2:44:26
